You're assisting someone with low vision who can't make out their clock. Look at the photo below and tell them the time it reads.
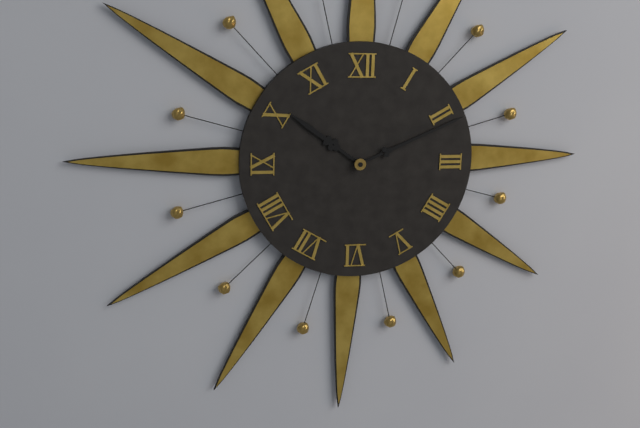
10:11
